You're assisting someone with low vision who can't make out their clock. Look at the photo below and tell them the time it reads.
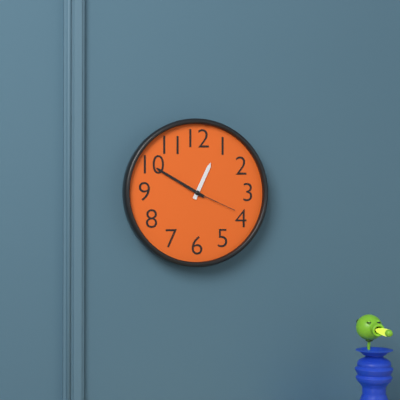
12:50:19
